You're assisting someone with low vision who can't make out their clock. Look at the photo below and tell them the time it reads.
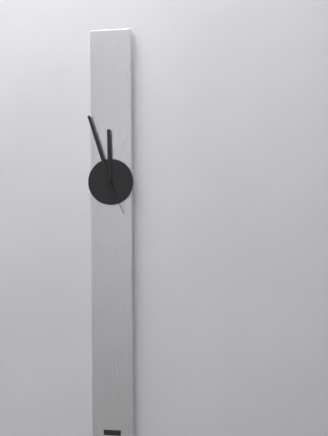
11:57
